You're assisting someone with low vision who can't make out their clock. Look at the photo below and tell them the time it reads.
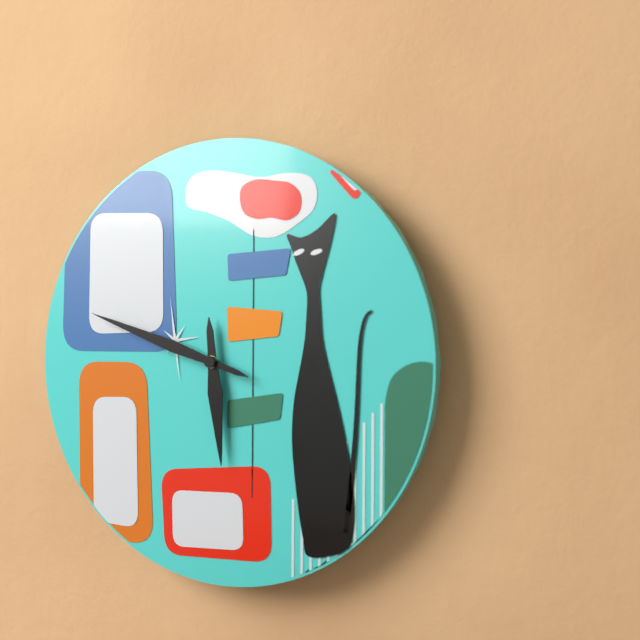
5:48
